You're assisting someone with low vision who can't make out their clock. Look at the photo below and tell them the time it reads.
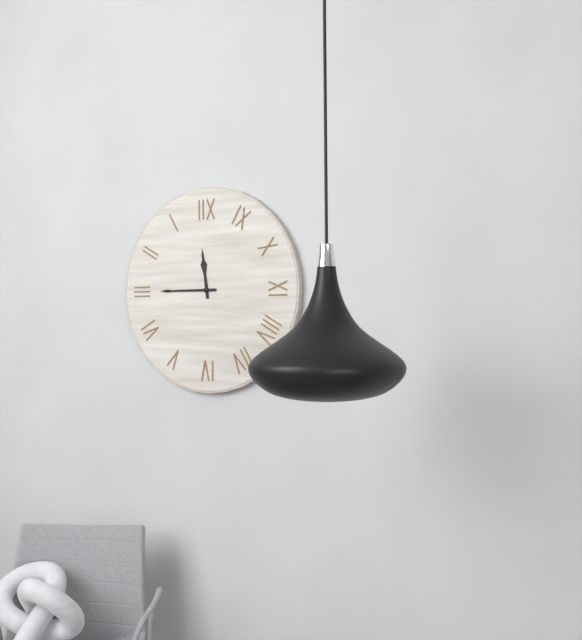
11:45
